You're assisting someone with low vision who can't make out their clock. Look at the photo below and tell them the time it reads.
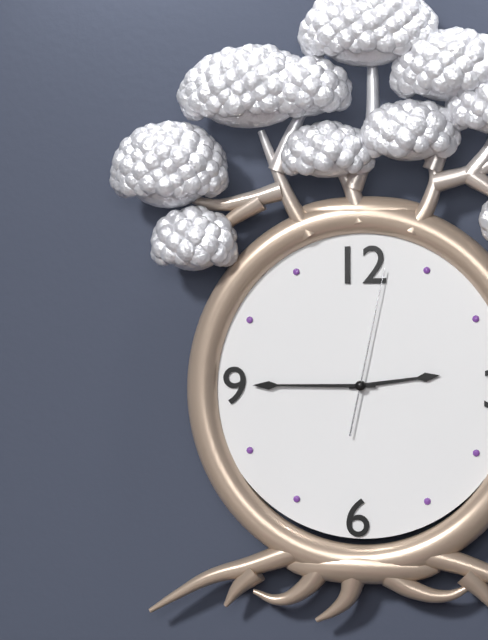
2:45:02
